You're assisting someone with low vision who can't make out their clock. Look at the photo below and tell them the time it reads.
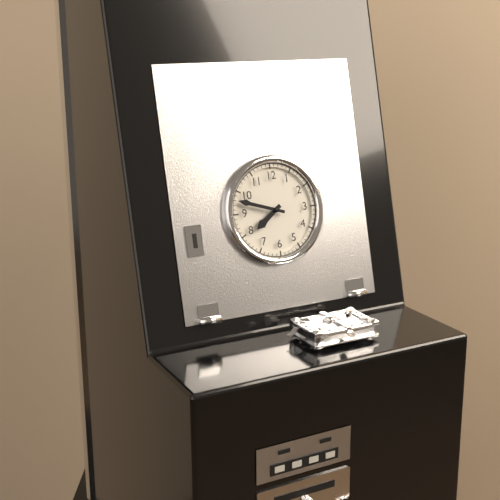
7:48
